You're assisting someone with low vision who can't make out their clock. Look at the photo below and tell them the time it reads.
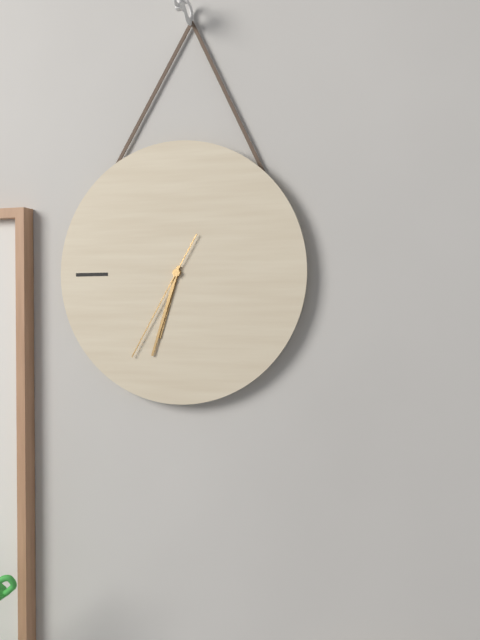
6:33:35
